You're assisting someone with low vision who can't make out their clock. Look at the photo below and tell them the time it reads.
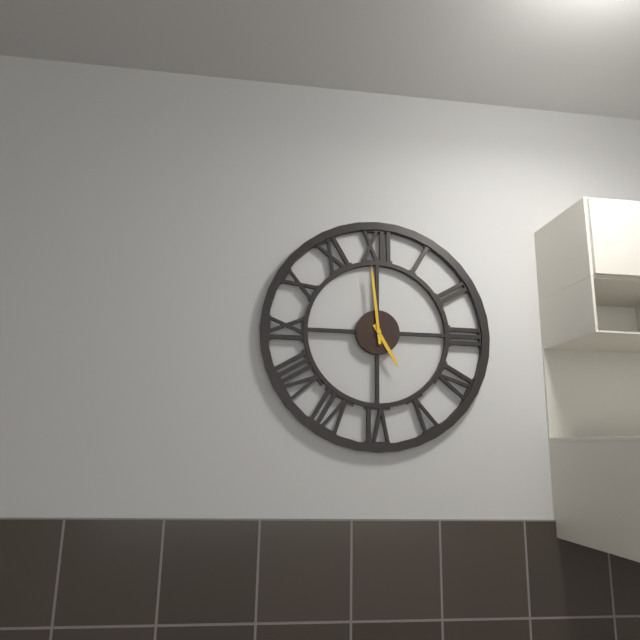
4:59
